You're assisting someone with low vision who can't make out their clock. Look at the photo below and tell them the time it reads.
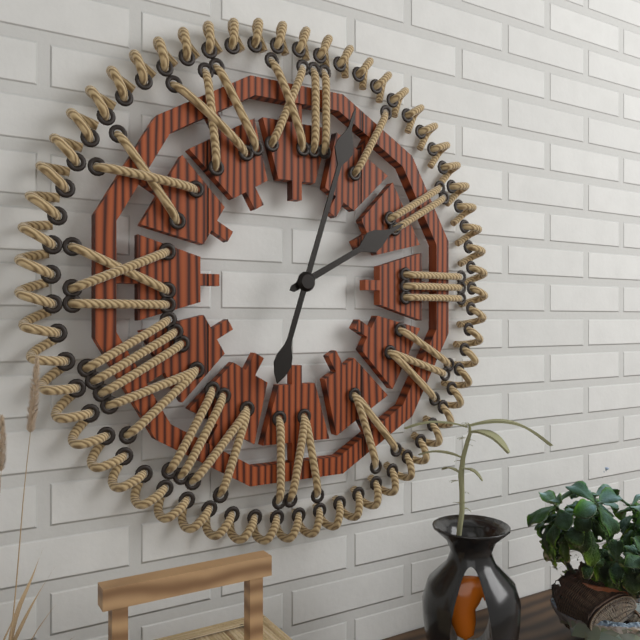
2:03
